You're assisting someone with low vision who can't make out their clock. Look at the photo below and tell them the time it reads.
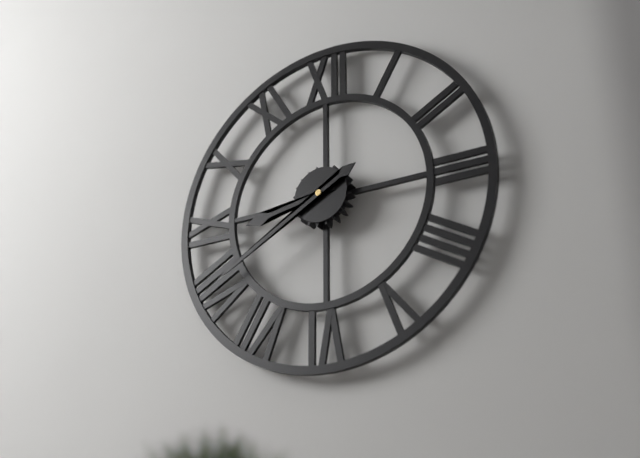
8:40
